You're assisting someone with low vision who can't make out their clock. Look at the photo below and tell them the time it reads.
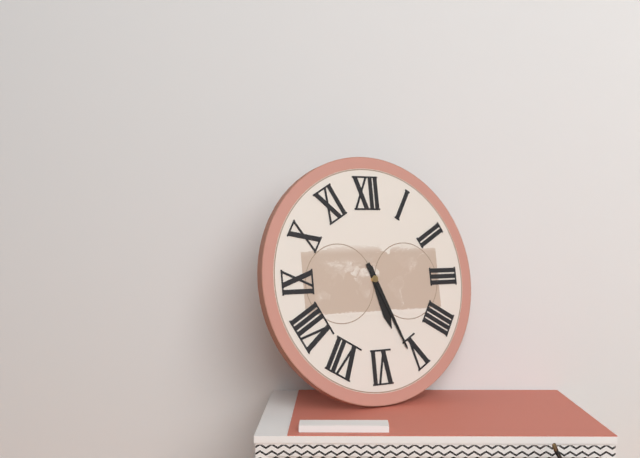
5:26
